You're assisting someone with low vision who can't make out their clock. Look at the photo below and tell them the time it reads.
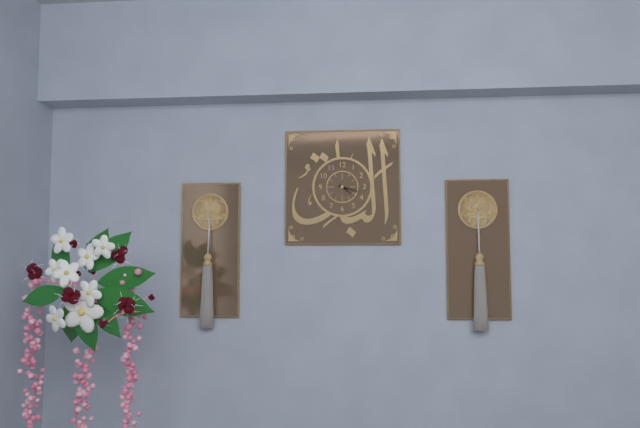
4:18
